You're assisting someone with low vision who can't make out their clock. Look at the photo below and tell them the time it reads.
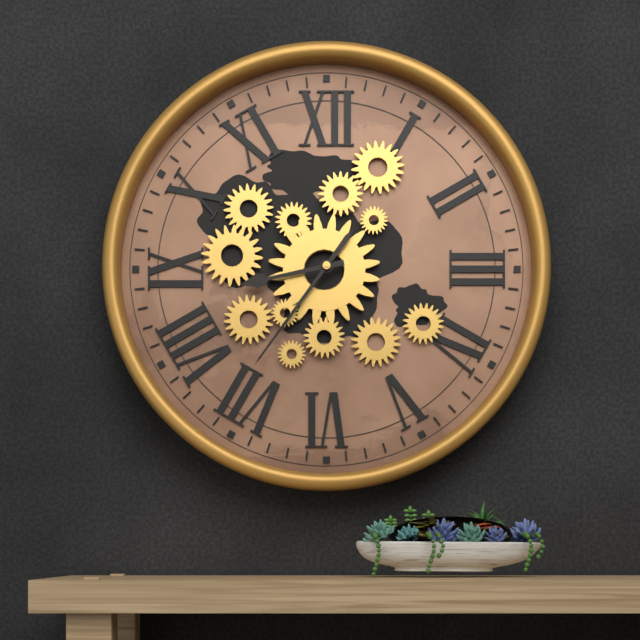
8:36
